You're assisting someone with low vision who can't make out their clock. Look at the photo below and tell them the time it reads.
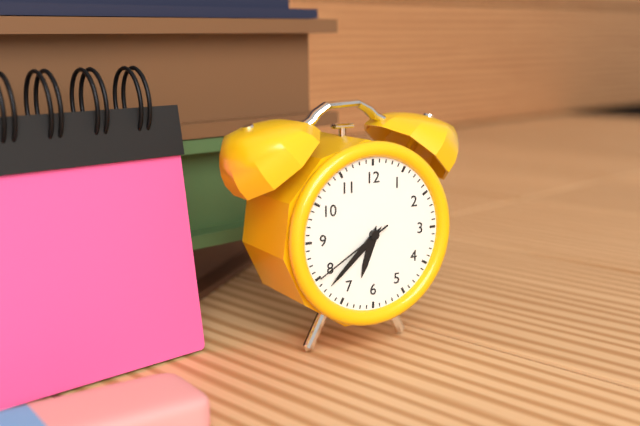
6:38:40
